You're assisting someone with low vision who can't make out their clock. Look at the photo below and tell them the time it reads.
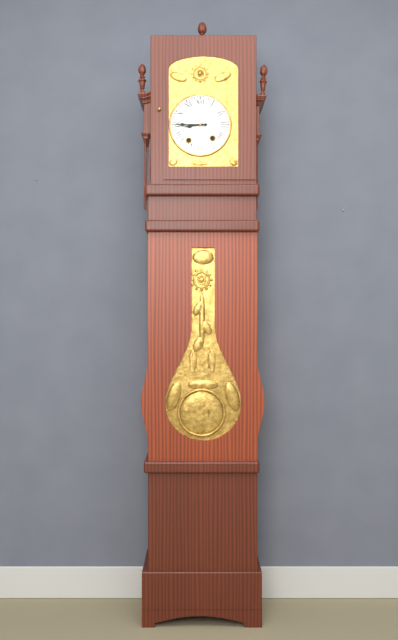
8:45
